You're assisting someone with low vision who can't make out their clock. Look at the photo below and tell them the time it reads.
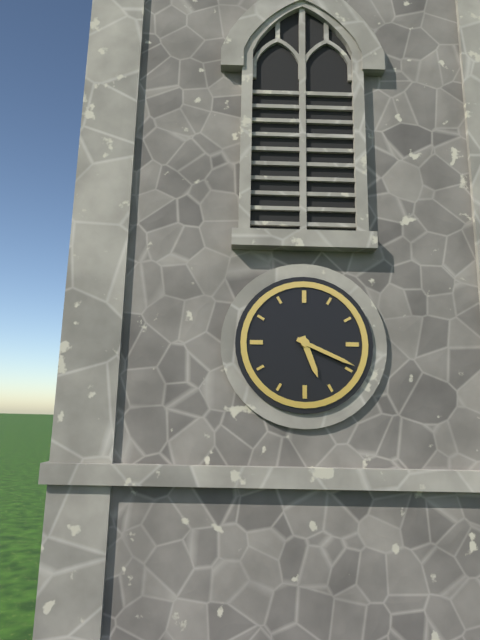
5:19
